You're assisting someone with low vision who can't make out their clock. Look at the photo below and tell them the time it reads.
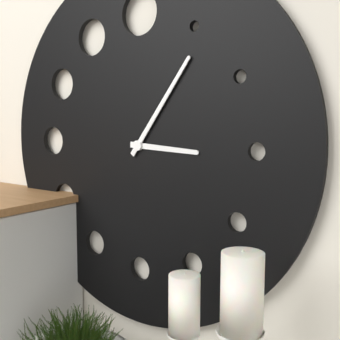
3:06
